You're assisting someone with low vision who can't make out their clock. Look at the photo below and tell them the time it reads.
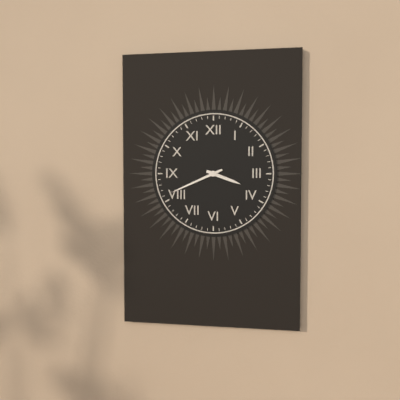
3:41
